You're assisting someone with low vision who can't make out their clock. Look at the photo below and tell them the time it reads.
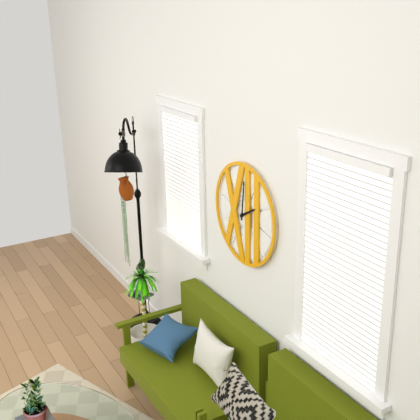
2:01
